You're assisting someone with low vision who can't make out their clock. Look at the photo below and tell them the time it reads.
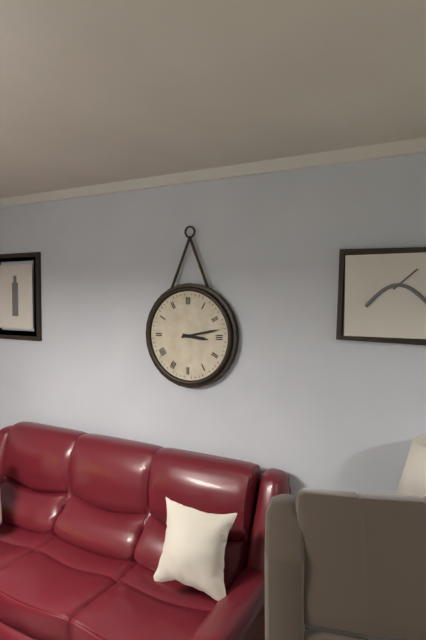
3:13
